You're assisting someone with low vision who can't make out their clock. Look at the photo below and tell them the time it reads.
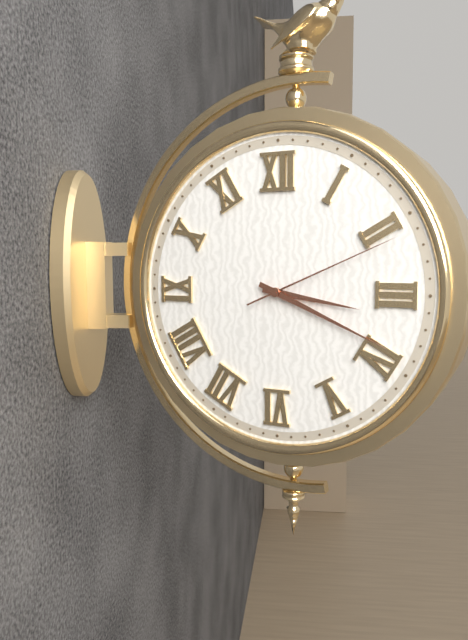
3:19:11
